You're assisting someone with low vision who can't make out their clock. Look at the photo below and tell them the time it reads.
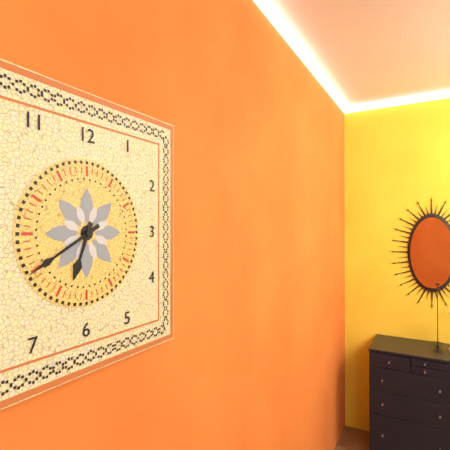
6:40
